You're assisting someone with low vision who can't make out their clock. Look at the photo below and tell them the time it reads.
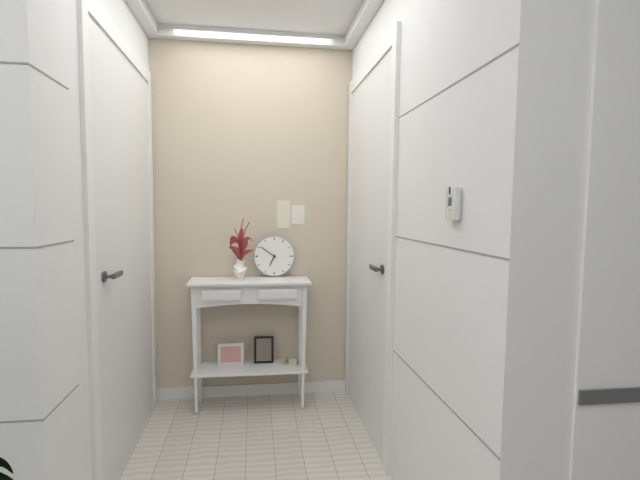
6:51
